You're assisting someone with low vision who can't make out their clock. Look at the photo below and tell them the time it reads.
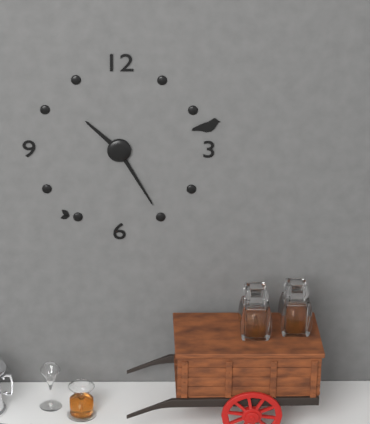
10:25
